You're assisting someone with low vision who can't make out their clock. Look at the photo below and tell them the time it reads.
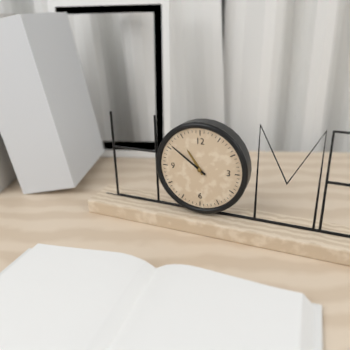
10:51
